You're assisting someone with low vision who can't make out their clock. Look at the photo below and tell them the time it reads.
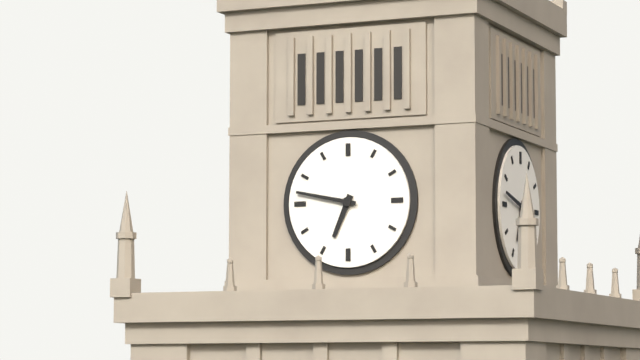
6:47
